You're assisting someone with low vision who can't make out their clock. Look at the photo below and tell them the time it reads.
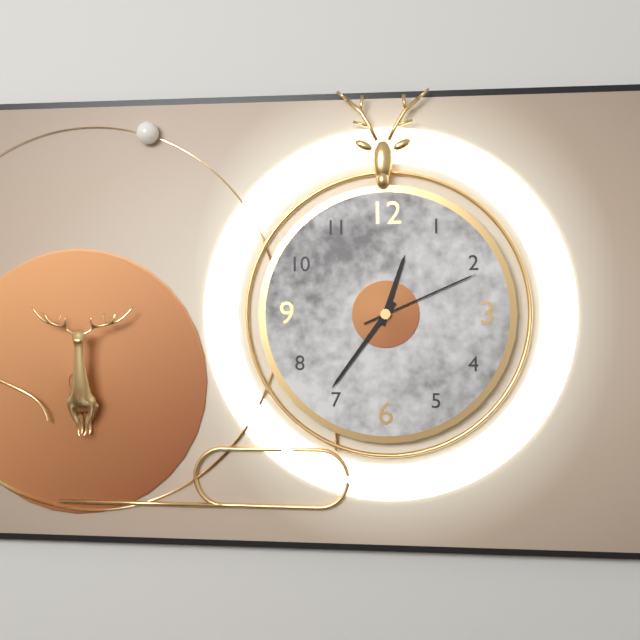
12:36:11
